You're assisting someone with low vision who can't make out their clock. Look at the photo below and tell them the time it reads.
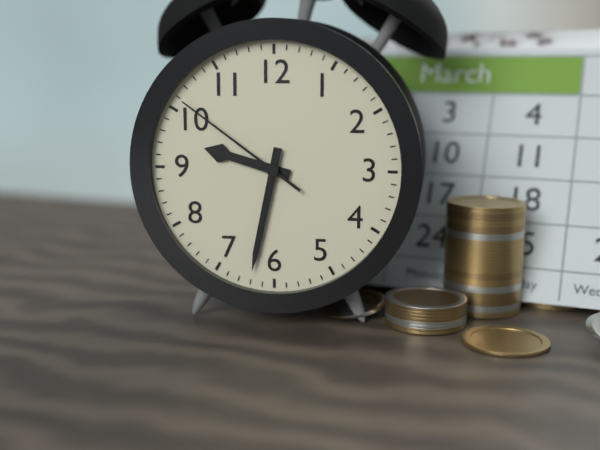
9:32:51
